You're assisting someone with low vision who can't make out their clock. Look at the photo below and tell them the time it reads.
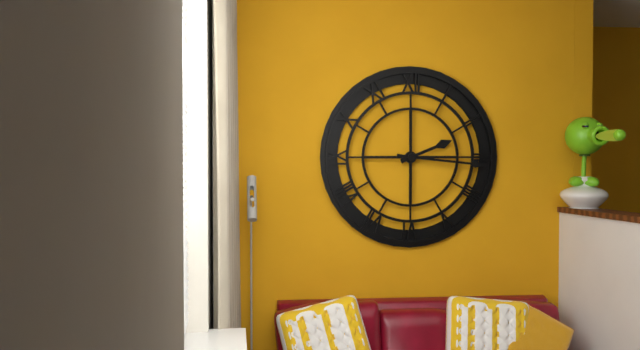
2:16
